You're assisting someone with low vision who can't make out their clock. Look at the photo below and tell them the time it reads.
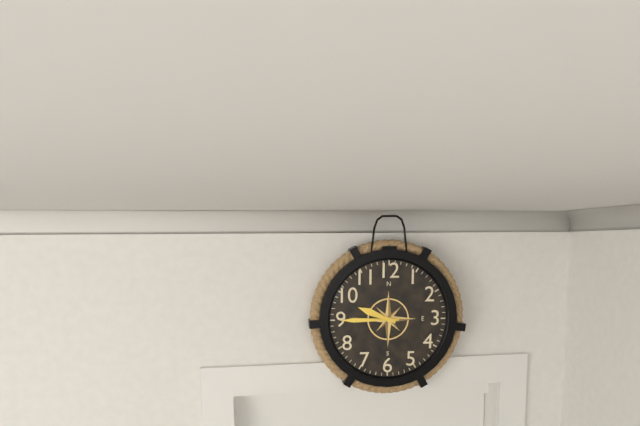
9:45
